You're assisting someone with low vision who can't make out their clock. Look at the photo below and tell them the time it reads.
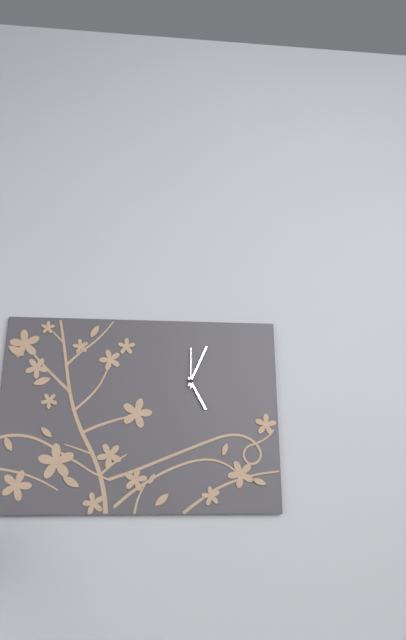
5:04
